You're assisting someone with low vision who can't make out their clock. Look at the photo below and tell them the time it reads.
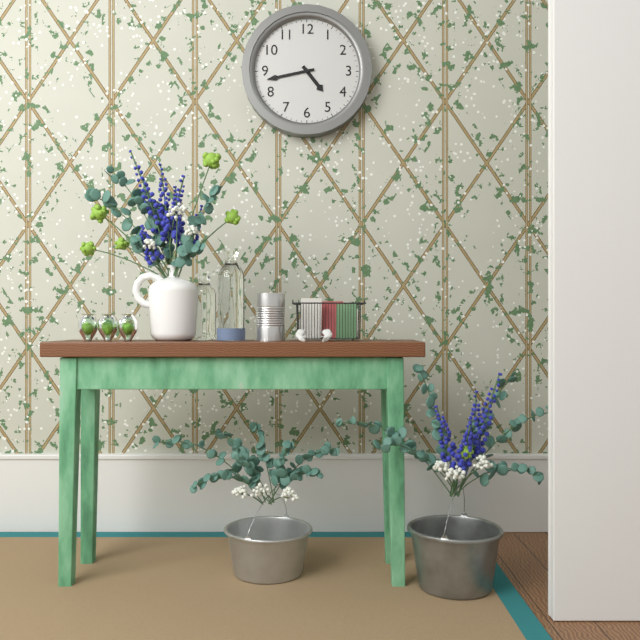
4:43
